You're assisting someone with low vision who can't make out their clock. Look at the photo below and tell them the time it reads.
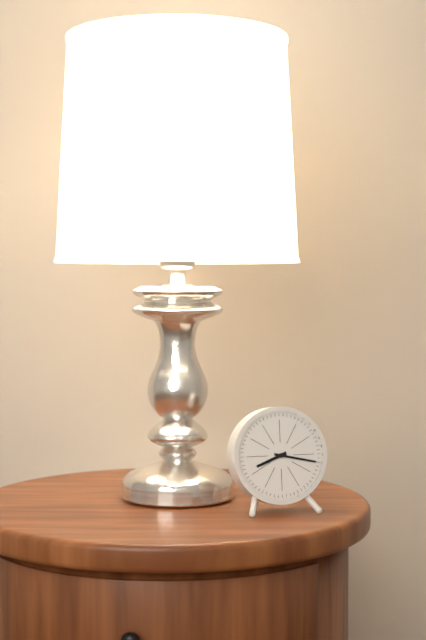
8:17
